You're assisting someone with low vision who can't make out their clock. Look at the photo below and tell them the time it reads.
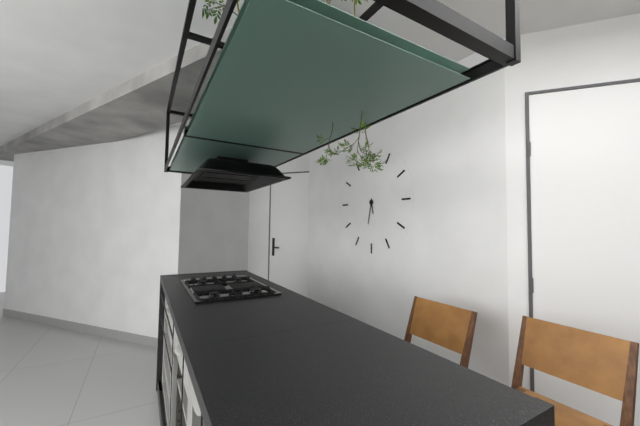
5:32
